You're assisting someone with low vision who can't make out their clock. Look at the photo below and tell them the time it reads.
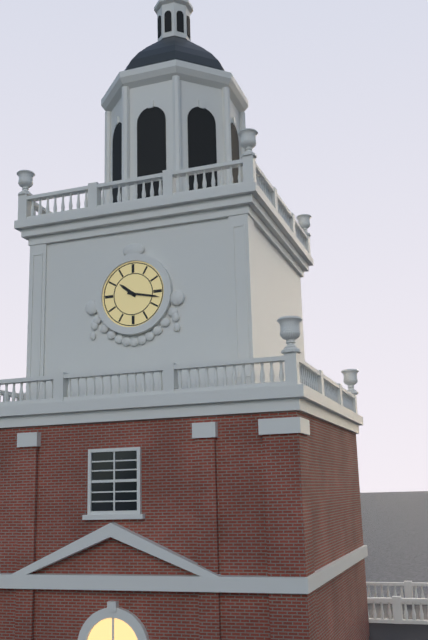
10:17
